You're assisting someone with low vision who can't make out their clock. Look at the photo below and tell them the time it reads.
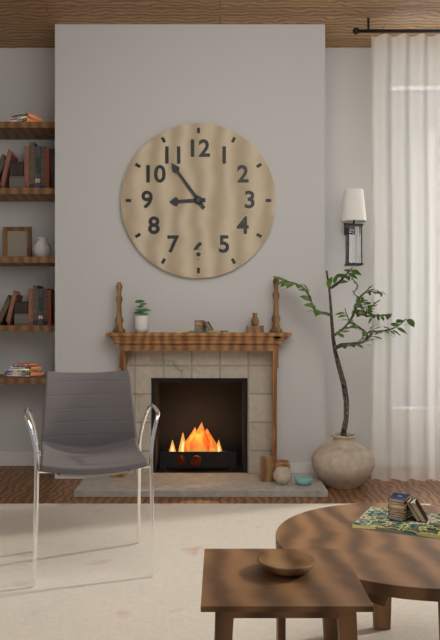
8:54
